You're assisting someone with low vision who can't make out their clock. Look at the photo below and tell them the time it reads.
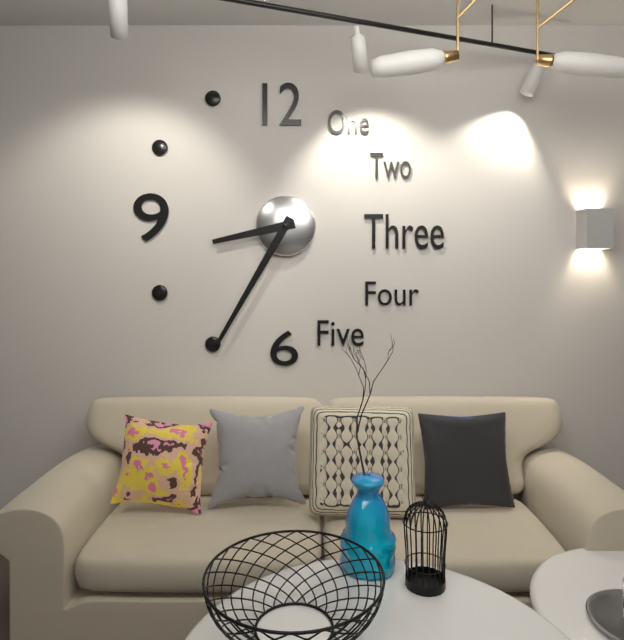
8:35
